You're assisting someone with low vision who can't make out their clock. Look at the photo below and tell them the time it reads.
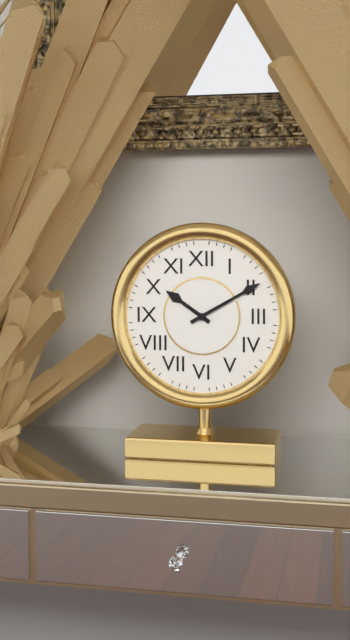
10:10
